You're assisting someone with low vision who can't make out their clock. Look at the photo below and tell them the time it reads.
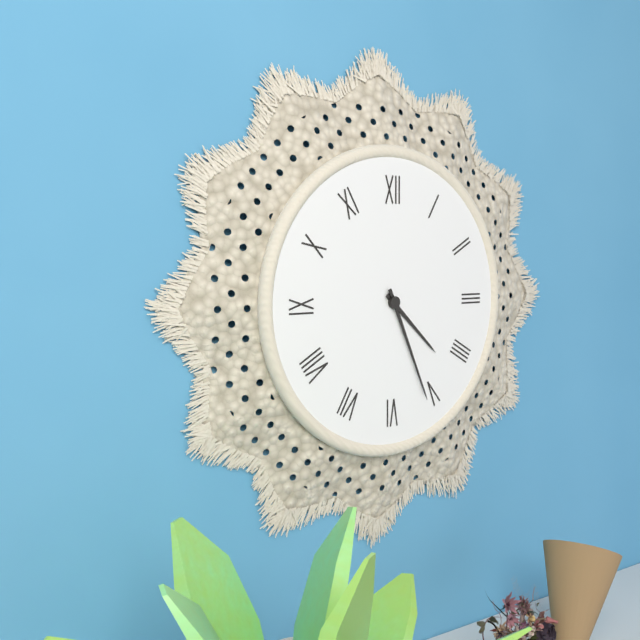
4:26
